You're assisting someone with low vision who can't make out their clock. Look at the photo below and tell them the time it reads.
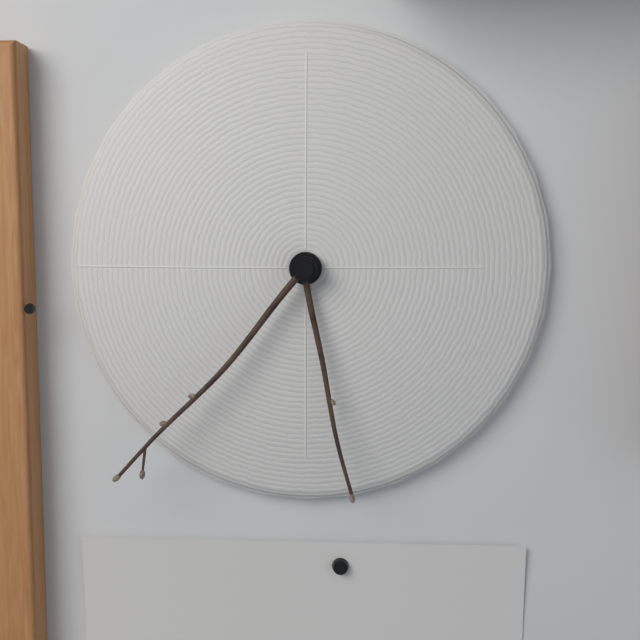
5:37
